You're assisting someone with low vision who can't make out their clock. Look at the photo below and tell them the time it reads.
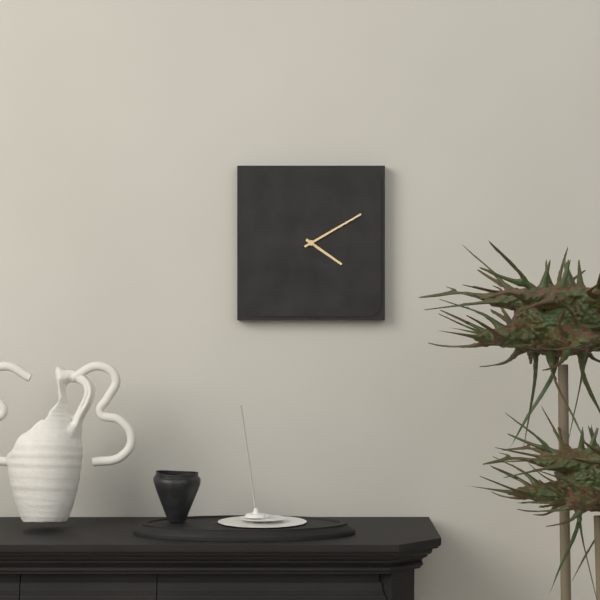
4:10
